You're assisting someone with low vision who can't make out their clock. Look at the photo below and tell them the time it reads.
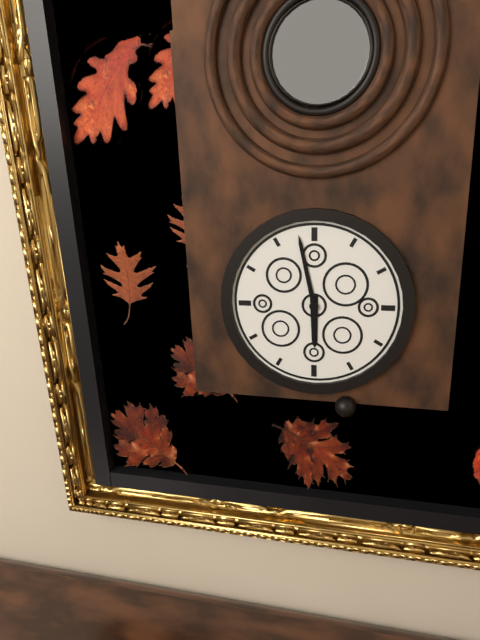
5:58
